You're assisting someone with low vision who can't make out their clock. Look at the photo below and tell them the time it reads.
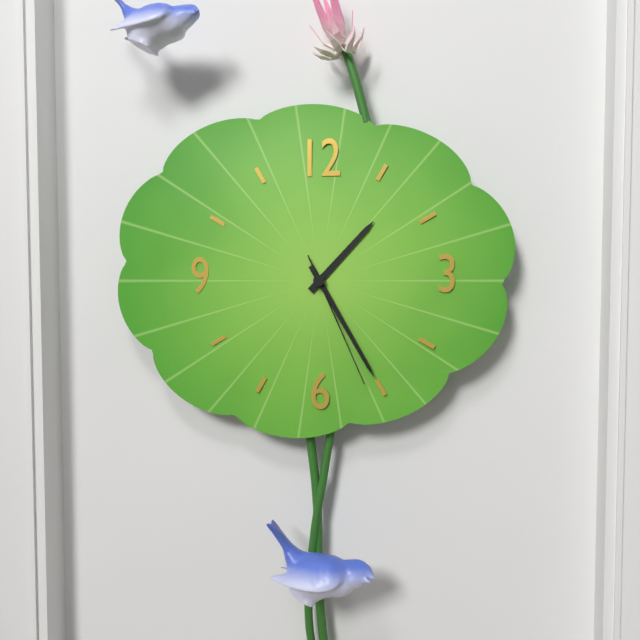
1:25:26
